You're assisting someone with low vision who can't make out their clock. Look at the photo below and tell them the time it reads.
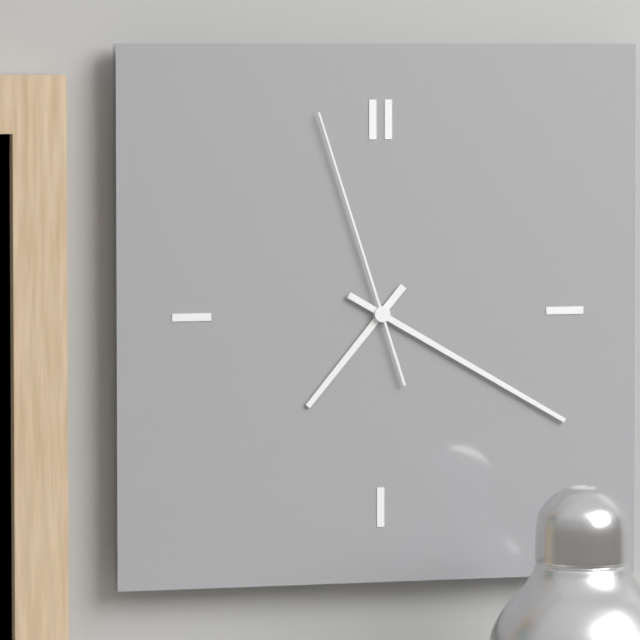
7:20:57
